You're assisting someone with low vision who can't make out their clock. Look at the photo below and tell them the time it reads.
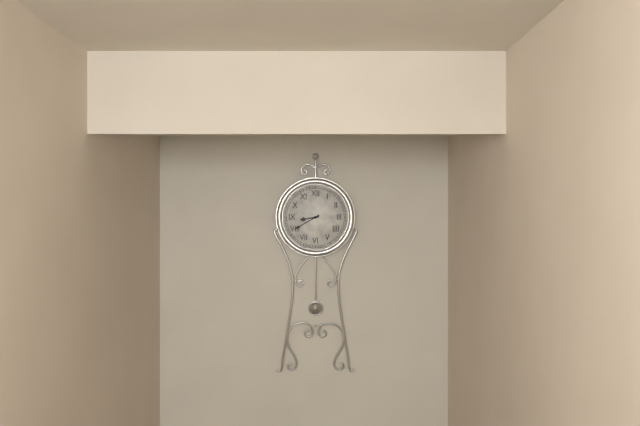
8:40
